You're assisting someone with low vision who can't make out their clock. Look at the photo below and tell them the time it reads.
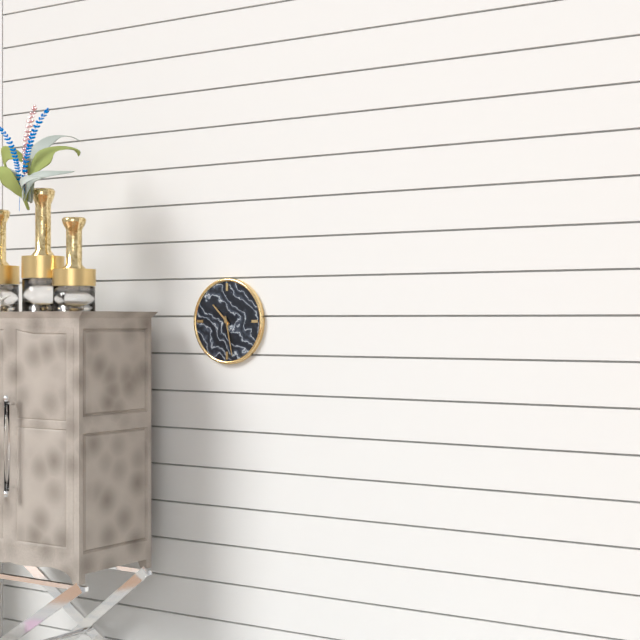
10:28
